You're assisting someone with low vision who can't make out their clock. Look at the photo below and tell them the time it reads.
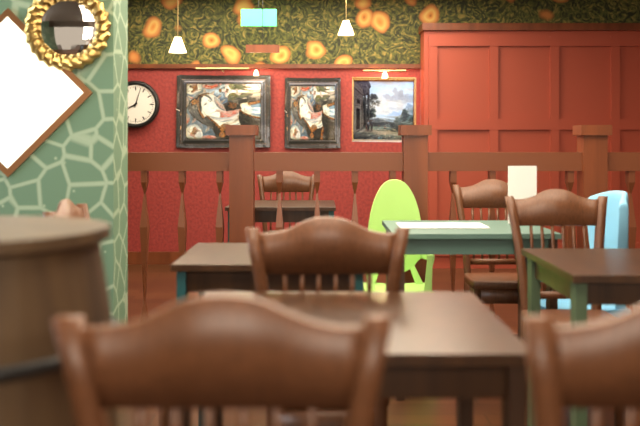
8:03
